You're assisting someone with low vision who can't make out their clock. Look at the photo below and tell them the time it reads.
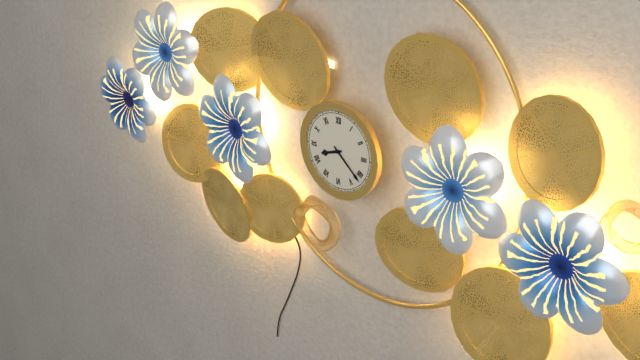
8:22
